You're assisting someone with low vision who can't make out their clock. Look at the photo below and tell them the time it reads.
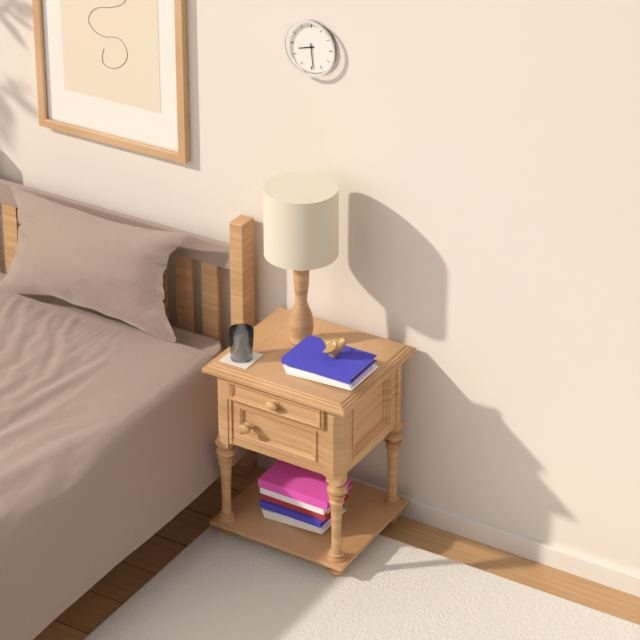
8:29
